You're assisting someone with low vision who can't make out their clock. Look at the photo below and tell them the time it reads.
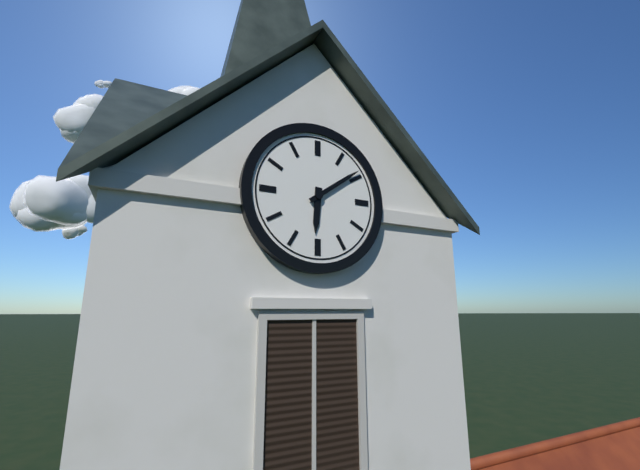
6:09
